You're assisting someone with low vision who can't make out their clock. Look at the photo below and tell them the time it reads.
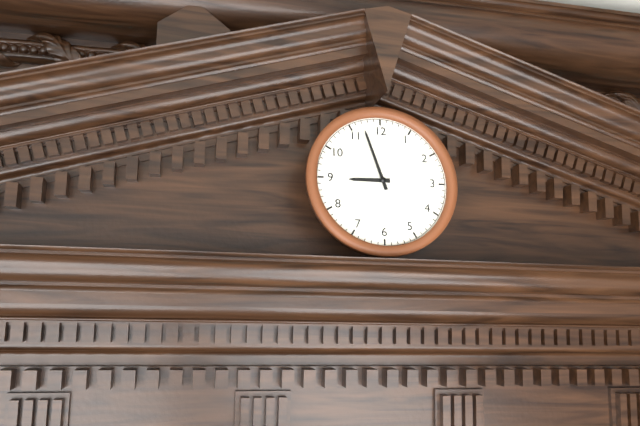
8:57
